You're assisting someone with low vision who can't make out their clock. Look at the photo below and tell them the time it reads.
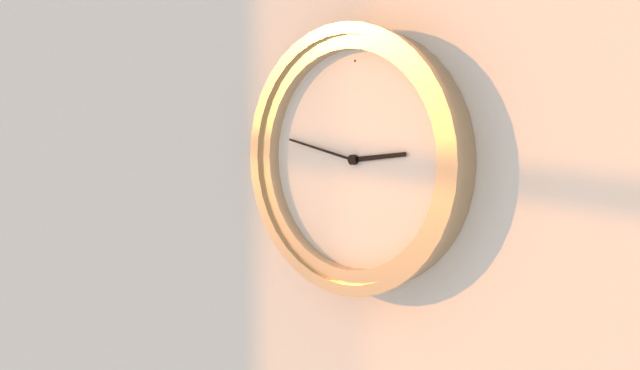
2:47
